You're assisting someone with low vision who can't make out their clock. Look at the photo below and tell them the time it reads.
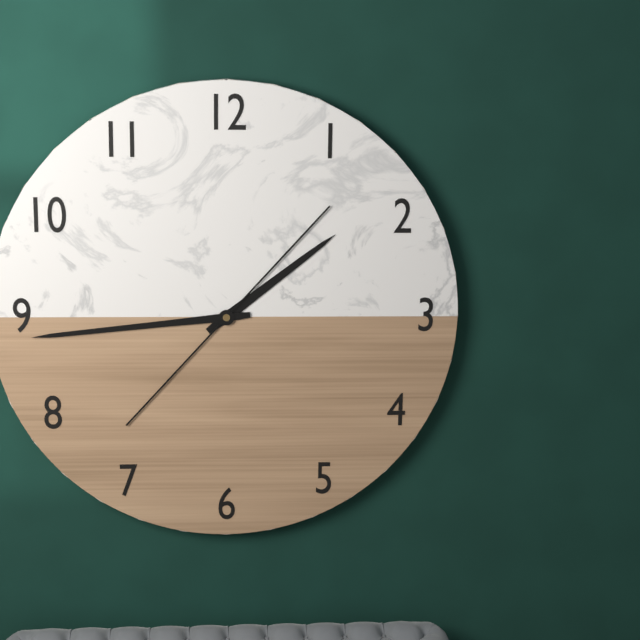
1:44
